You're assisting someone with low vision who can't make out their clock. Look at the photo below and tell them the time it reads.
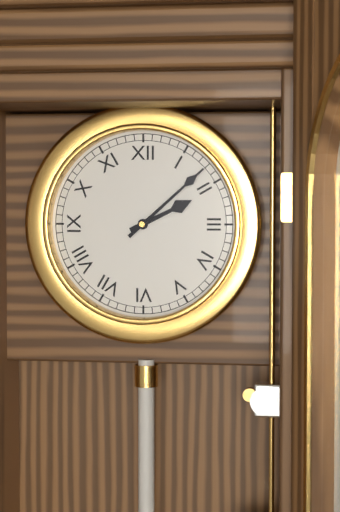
2:08
